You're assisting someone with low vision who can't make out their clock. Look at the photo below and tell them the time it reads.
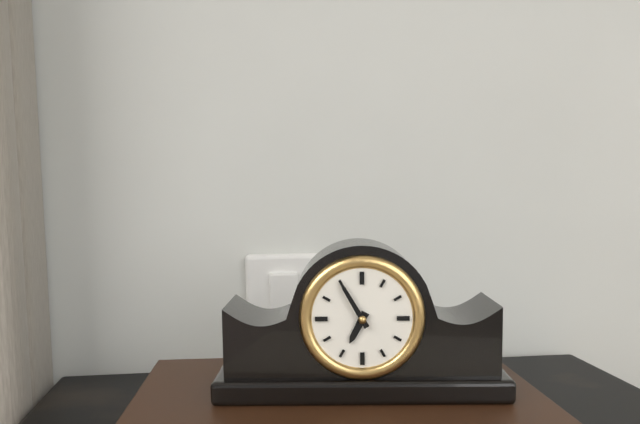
6:55
